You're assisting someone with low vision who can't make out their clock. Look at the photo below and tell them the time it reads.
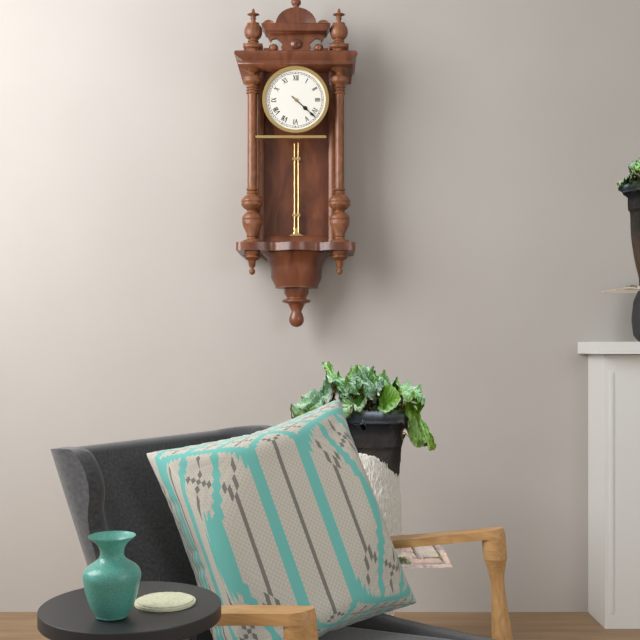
4:22
